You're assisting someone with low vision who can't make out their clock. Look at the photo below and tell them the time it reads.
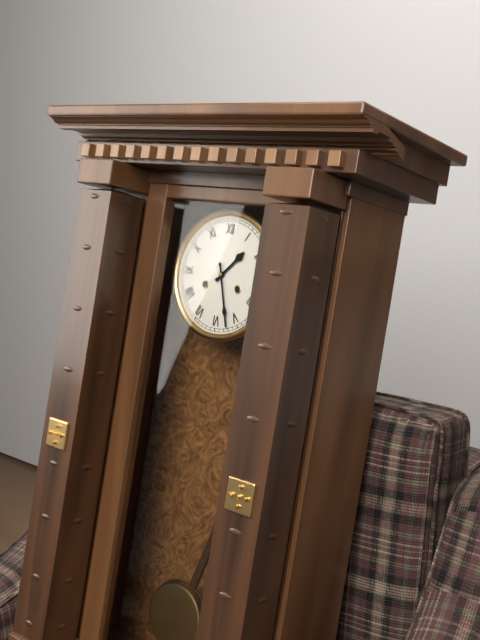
1:27
